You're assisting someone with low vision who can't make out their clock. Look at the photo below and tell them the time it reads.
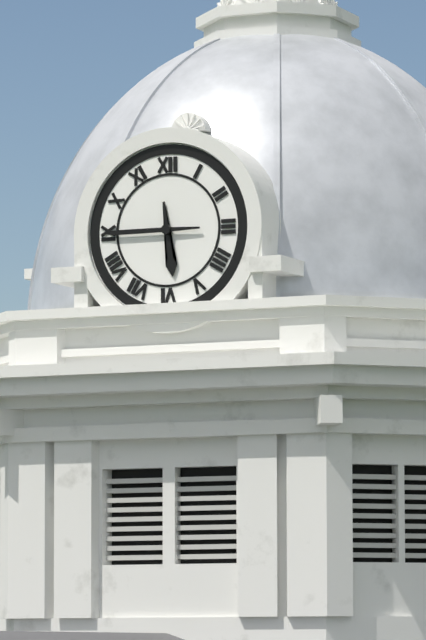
5:45
